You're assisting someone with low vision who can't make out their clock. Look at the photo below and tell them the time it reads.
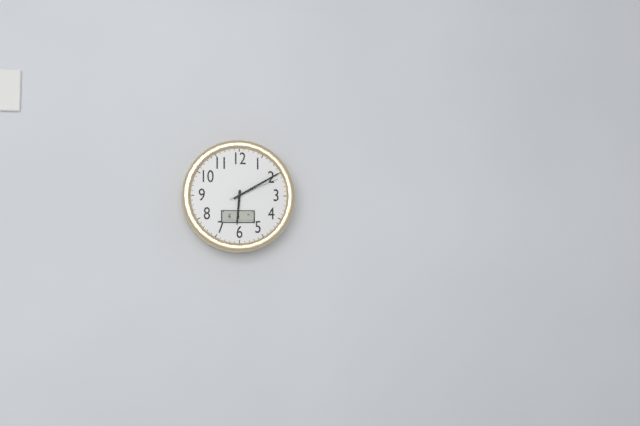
6:10:11
